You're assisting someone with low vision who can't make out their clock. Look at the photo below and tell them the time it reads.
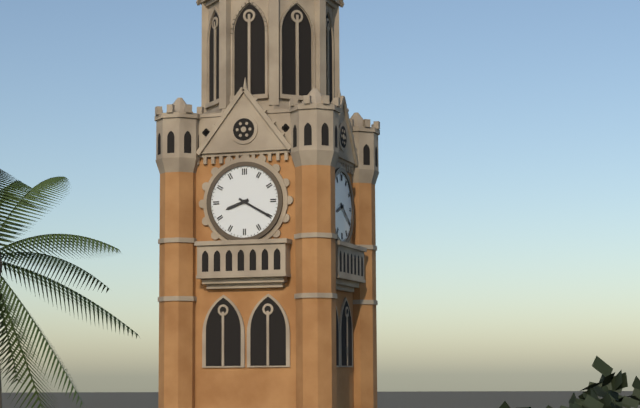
8:20
